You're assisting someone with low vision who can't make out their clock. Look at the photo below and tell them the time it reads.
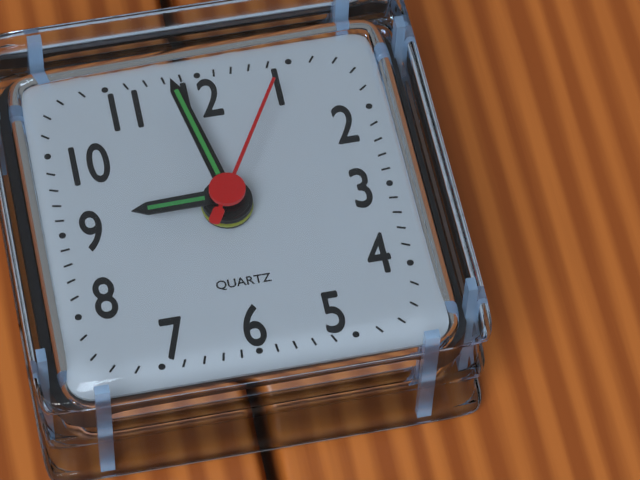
8:58:05
